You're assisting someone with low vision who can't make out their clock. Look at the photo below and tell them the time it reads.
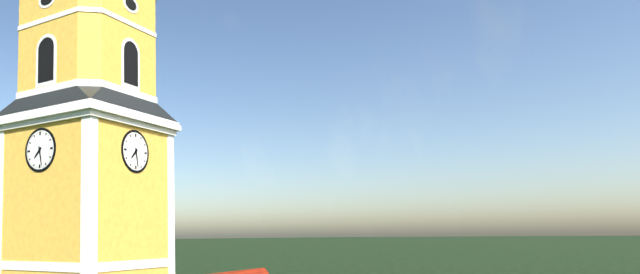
7:28
